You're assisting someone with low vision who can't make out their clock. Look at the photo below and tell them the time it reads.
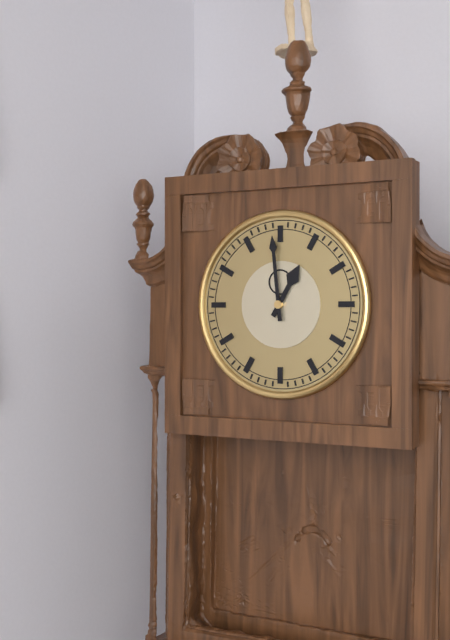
12:59
